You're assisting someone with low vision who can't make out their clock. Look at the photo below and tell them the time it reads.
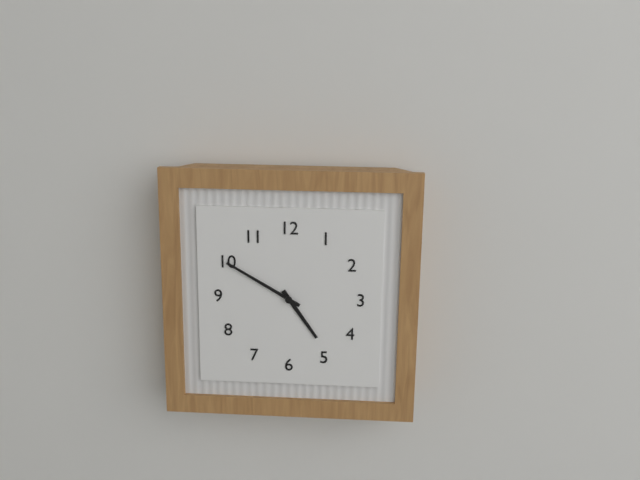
4:50
